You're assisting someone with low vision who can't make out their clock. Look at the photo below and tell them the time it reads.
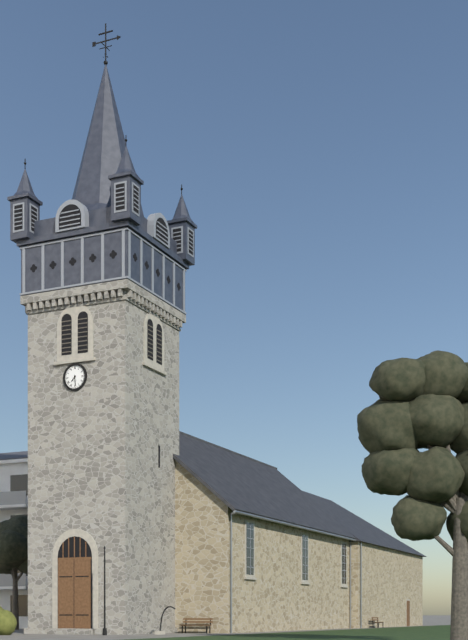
7:29
